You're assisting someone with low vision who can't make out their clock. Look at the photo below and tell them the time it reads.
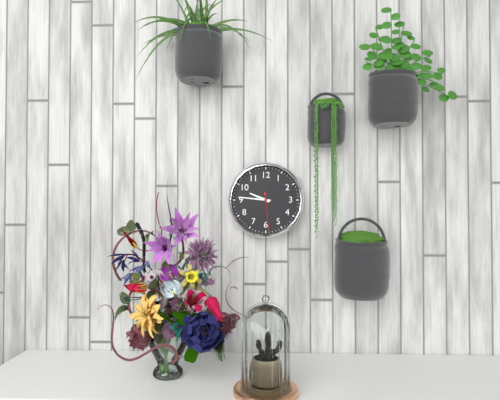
9:46
